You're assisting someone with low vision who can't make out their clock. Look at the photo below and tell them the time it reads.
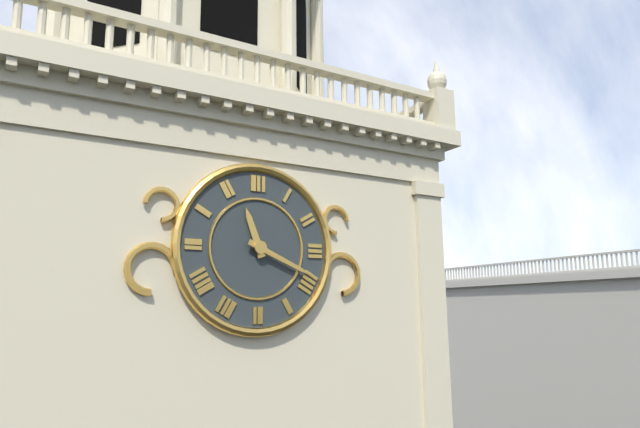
11:19
